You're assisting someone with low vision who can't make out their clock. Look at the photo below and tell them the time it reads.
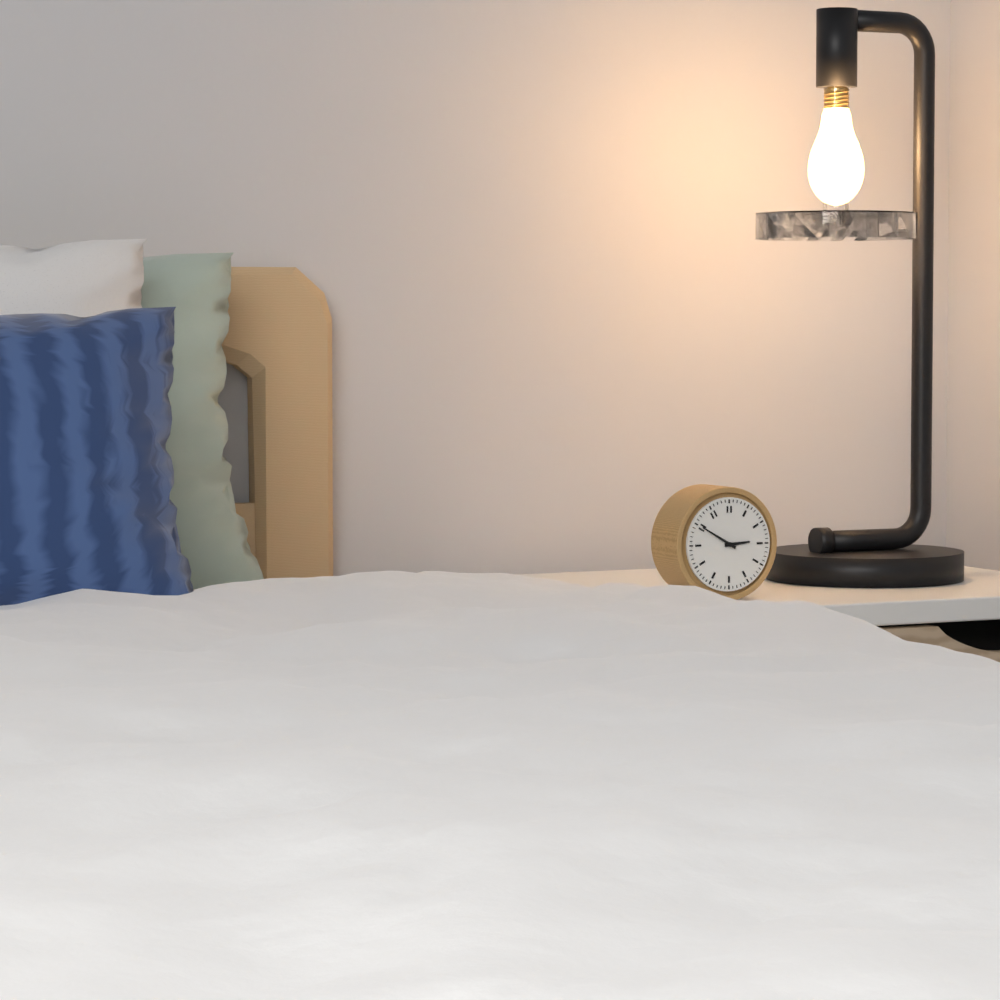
2:50
